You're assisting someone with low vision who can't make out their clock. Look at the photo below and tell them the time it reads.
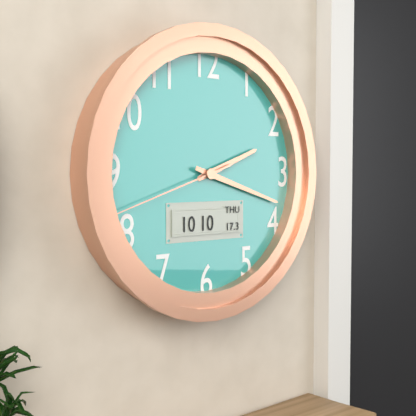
2:18:42
